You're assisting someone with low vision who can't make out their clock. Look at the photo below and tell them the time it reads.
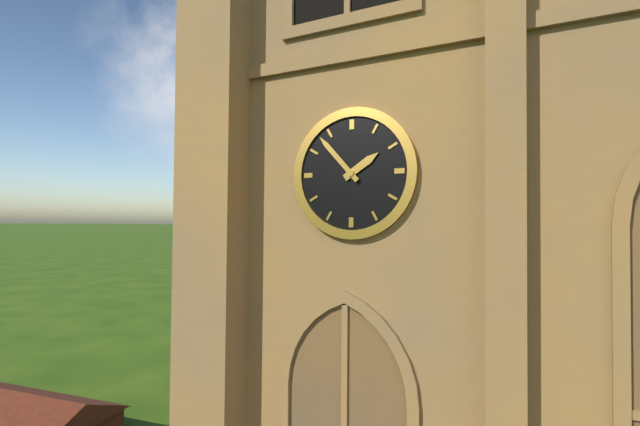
1:53
